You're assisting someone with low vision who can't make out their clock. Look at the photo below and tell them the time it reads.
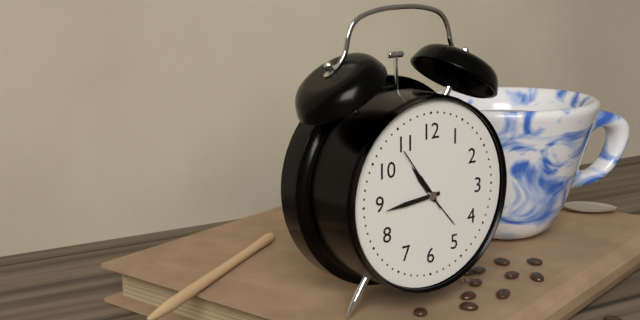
10:44
